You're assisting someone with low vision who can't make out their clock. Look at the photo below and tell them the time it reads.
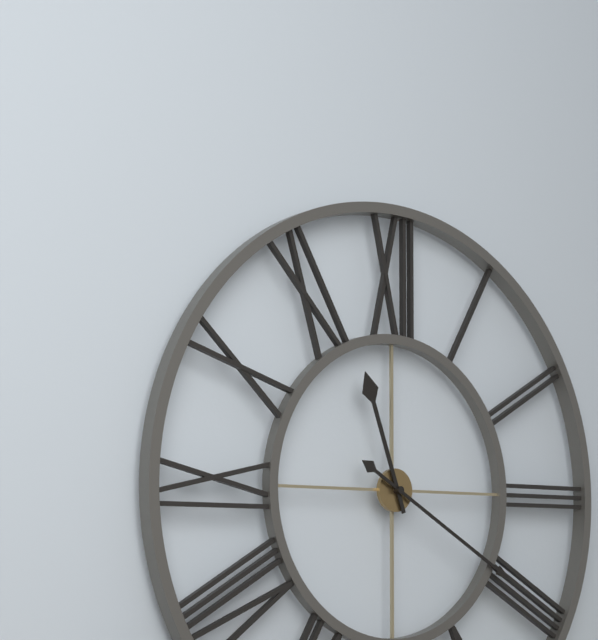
11:20
